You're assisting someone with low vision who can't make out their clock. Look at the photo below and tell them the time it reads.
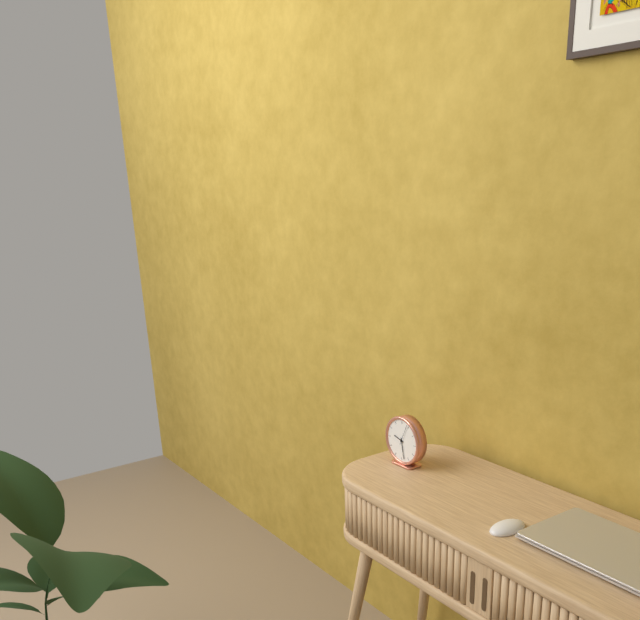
9:28
